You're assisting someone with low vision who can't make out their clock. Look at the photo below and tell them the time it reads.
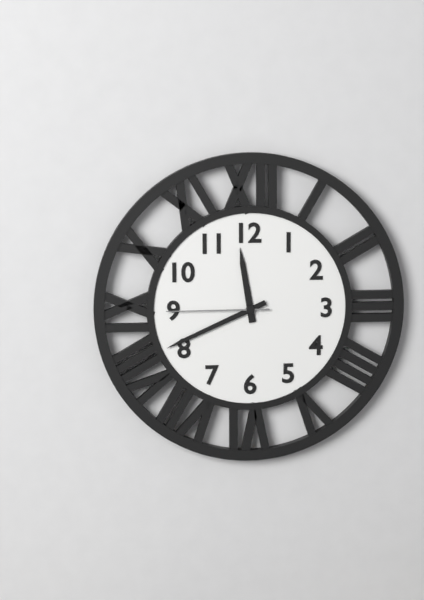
11:41:45
